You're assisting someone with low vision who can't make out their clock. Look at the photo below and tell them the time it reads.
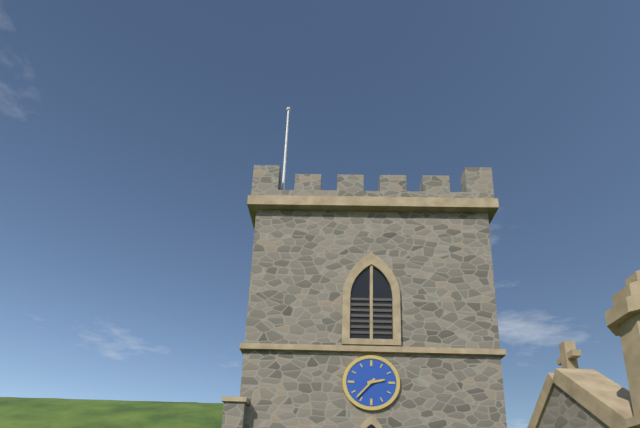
2:37
